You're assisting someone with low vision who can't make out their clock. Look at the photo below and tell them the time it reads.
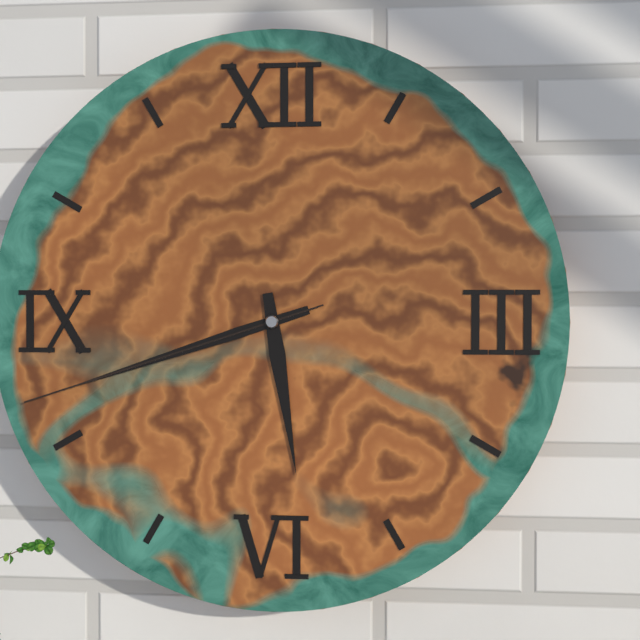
5:42:42
